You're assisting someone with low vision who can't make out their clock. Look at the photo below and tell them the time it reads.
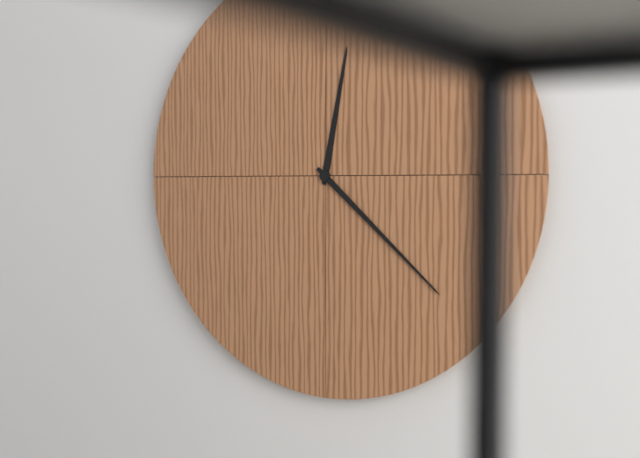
12:22
